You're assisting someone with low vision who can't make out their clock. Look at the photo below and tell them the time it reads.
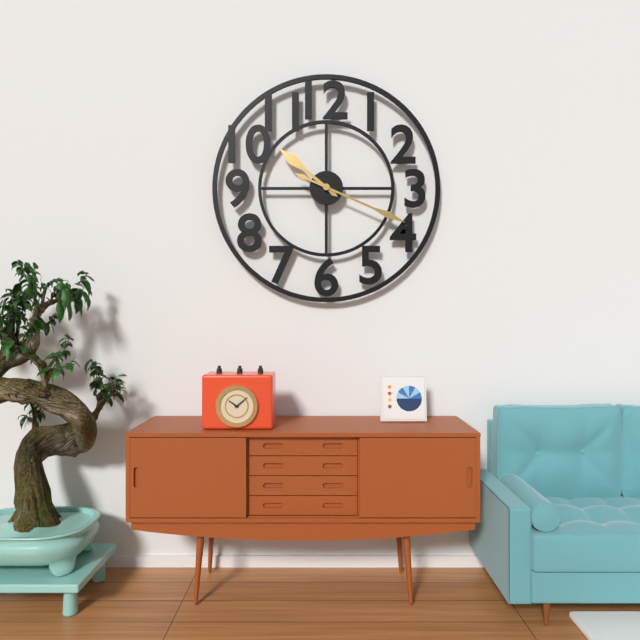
10:19
